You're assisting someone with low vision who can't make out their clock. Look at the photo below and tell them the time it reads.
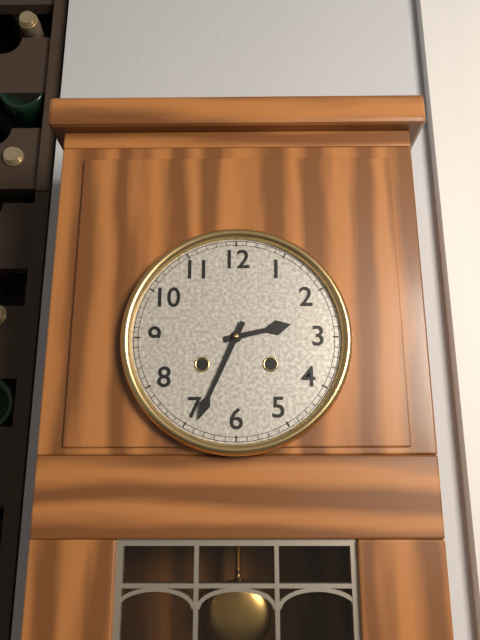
2:34
